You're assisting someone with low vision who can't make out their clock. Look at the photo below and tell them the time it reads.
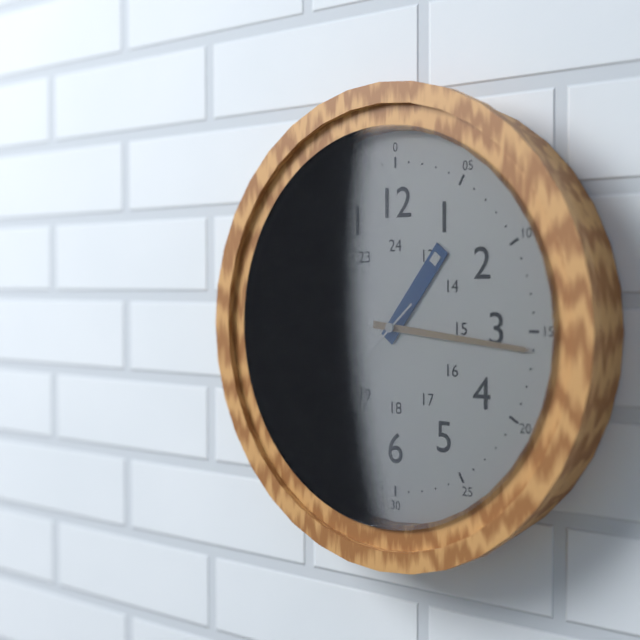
1:16:38
